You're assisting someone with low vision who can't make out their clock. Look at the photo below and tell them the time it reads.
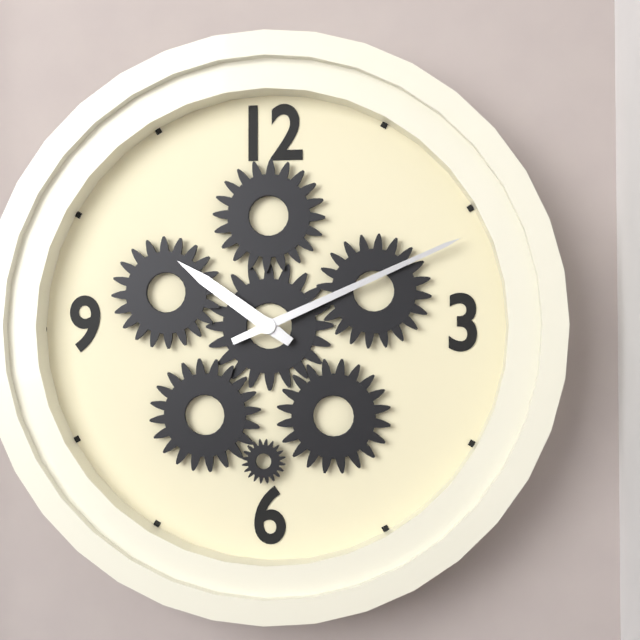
10:11
